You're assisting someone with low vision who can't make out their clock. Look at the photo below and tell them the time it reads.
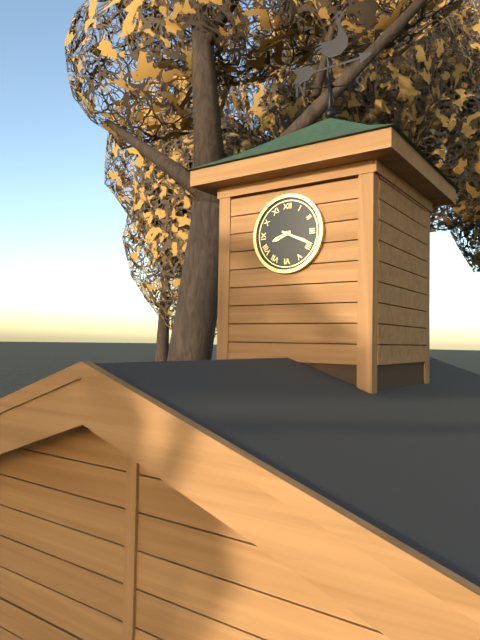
8:19
